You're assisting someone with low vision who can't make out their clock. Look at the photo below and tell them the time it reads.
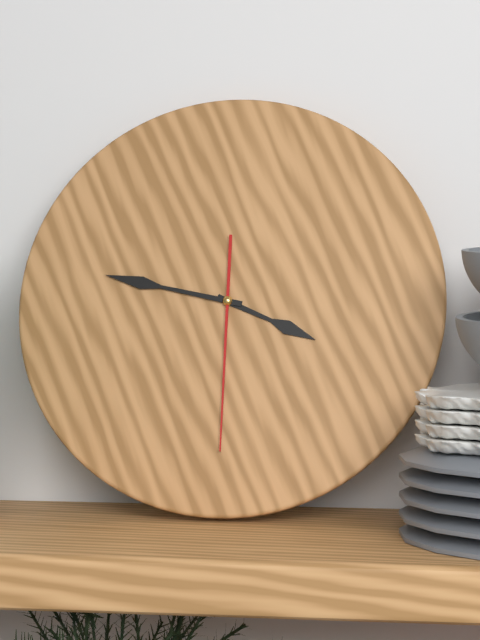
3:47:30
